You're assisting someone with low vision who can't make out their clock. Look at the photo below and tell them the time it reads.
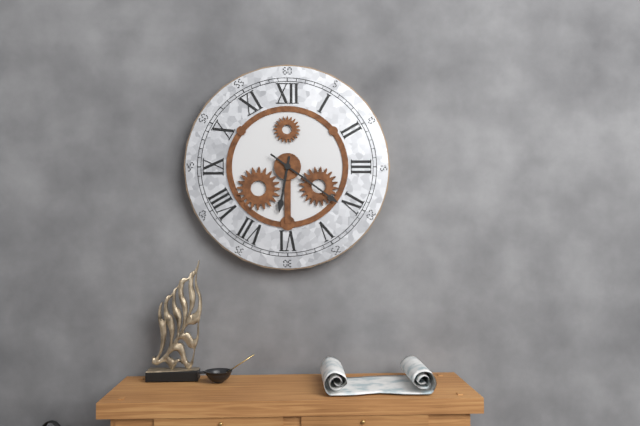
6:21
